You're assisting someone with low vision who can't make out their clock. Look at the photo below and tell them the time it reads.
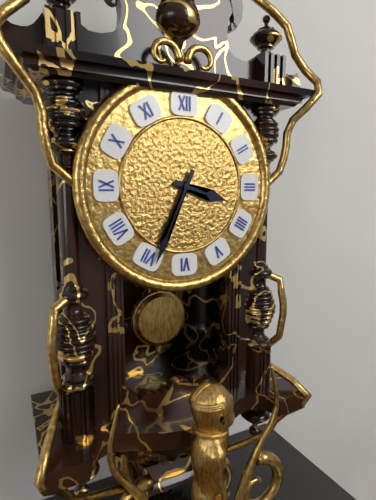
3:34
